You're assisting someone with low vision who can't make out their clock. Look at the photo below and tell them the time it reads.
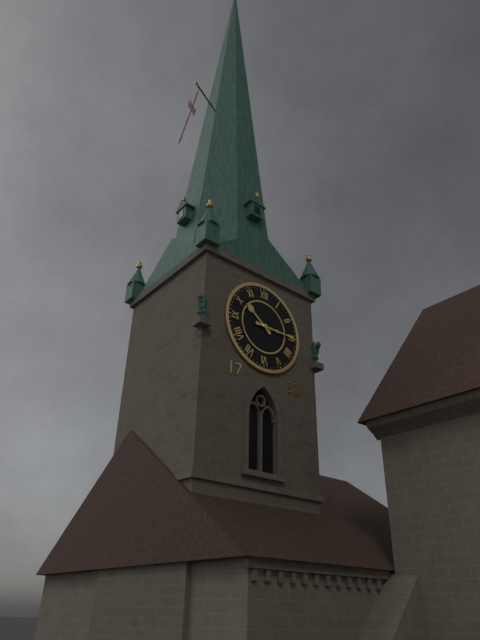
10:15
